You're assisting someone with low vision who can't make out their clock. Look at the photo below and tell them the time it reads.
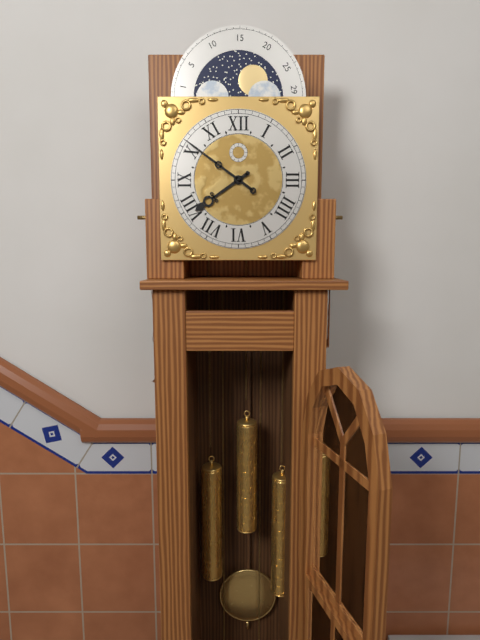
7:51
